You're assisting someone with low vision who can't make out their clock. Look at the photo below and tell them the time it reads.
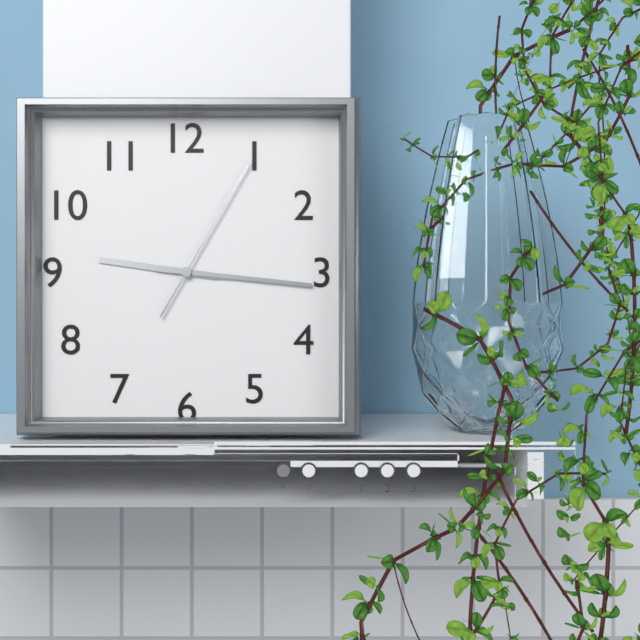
9:16:05
